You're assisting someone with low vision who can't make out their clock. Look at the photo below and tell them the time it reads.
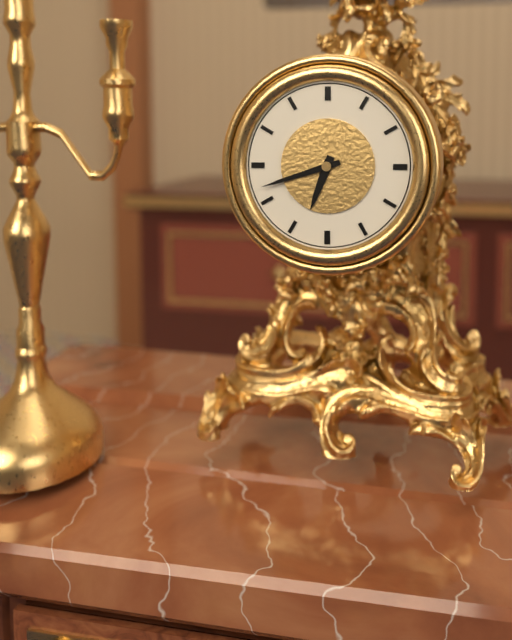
6:42
